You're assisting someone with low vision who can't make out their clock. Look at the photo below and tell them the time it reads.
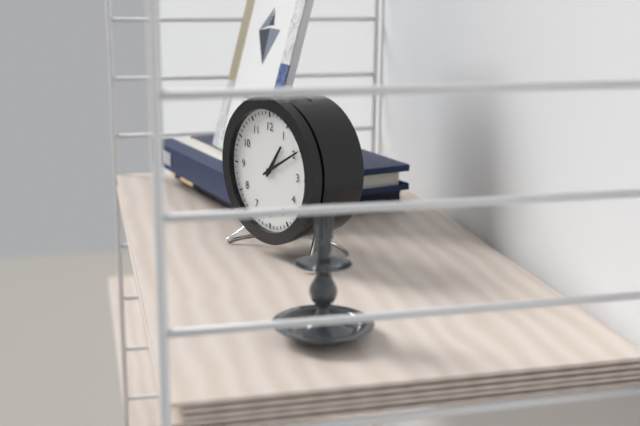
1:10
